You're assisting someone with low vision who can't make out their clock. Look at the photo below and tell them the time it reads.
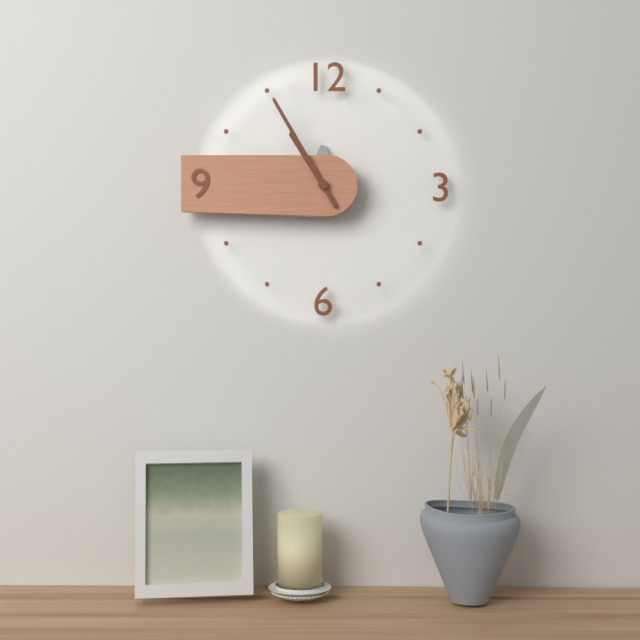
10:55
